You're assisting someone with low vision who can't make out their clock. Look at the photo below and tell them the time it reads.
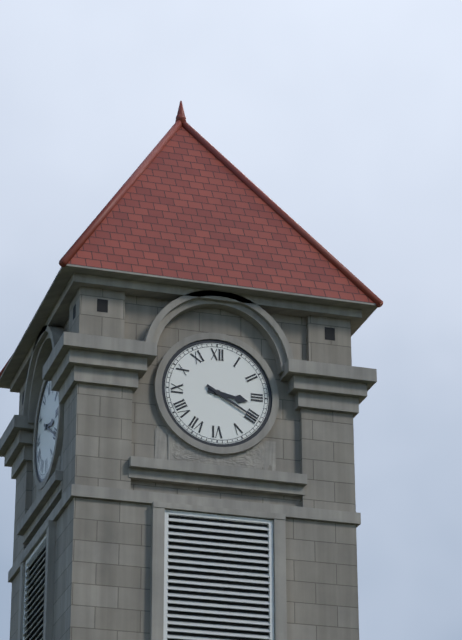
3:20
